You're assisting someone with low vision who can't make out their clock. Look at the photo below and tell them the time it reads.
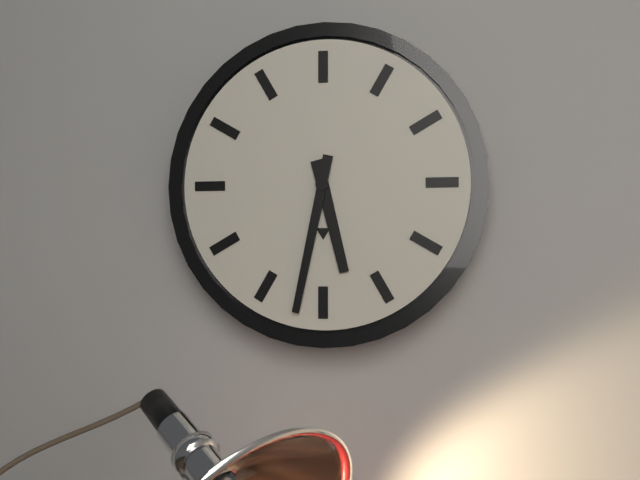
5:32
